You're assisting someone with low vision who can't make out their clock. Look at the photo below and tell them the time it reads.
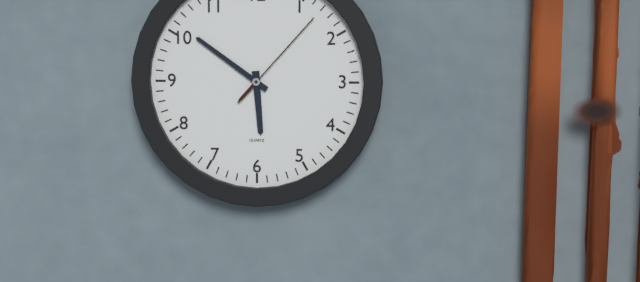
5:51:07
